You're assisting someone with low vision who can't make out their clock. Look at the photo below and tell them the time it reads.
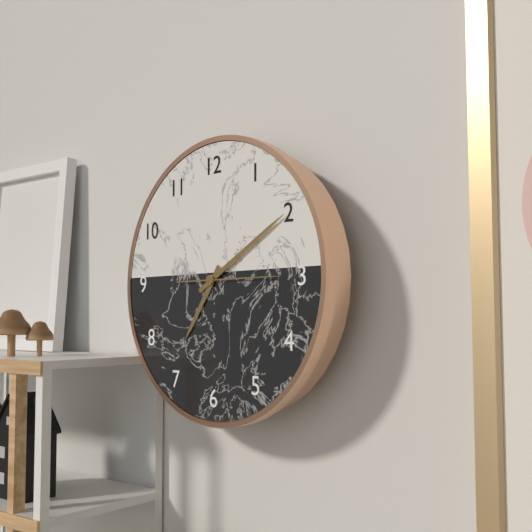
7:10:15
